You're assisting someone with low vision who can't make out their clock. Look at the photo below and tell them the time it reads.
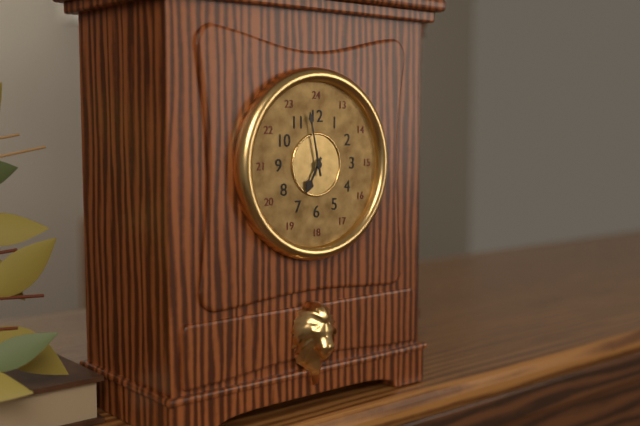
6:58
